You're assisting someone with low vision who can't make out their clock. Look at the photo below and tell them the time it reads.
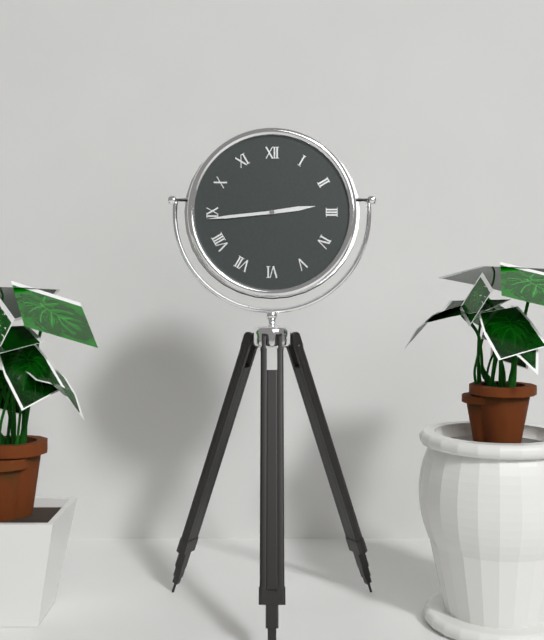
2:44
